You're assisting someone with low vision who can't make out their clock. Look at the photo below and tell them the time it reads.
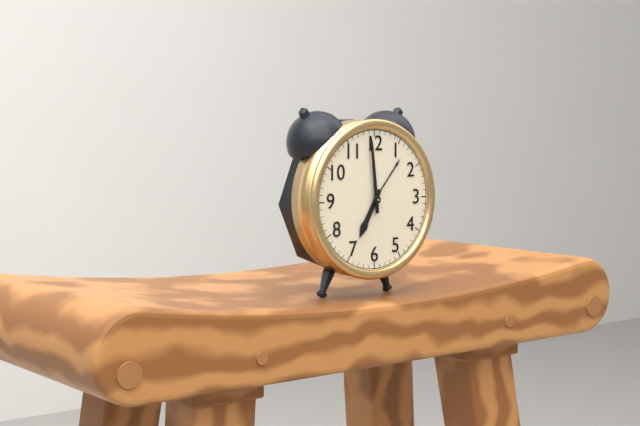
6:59
